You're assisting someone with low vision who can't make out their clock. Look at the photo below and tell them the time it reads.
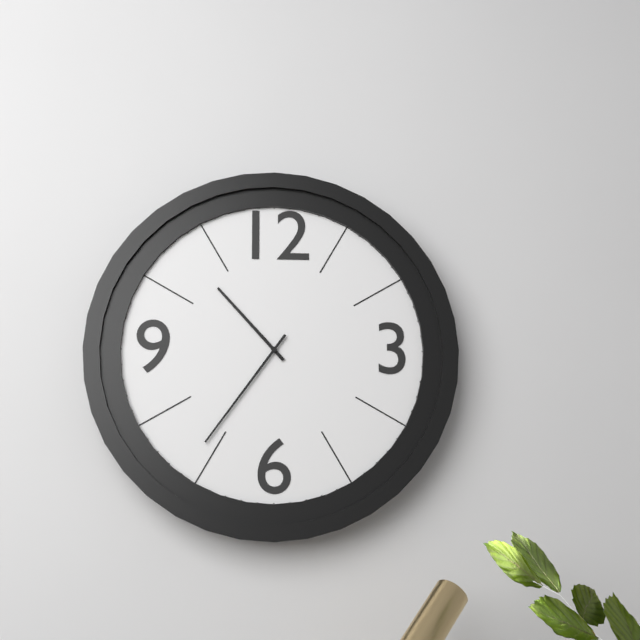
10:36
